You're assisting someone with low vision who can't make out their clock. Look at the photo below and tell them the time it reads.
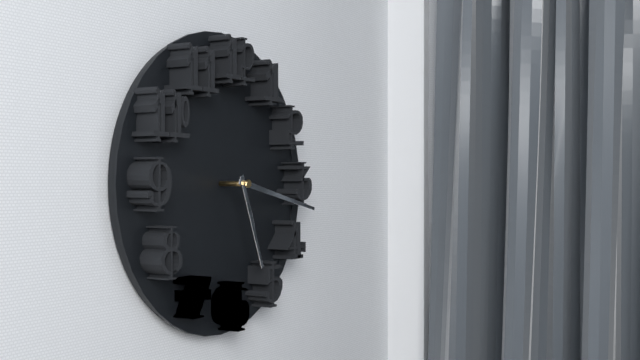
5:17
